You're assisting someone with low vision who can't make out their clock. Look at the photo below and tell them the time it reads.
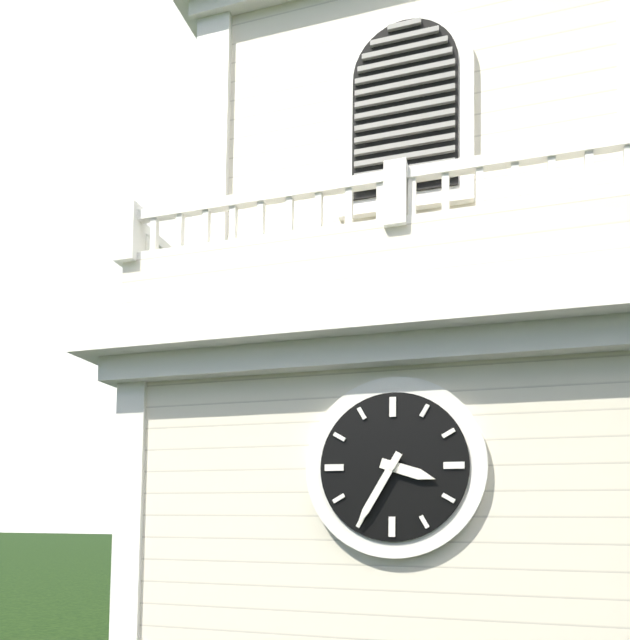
3:35
